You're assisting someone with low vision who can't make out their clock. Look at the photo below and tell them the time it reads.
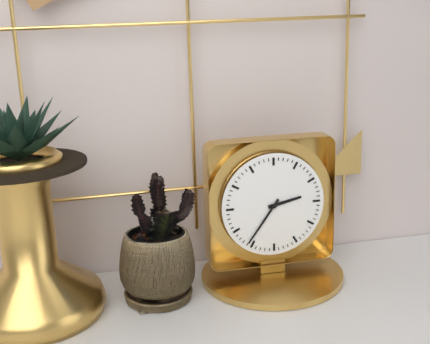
2:36
